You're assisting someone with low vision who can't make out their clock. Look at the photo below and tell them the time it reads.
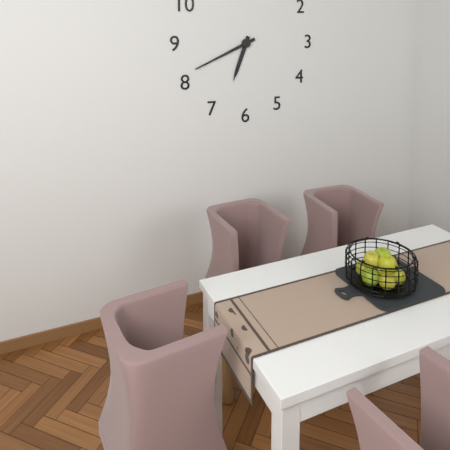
6:41
